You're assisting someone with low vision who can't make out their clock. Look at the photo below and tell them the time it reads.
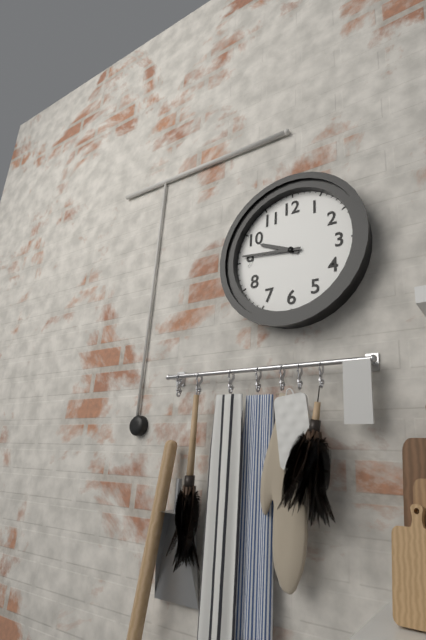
9:46
